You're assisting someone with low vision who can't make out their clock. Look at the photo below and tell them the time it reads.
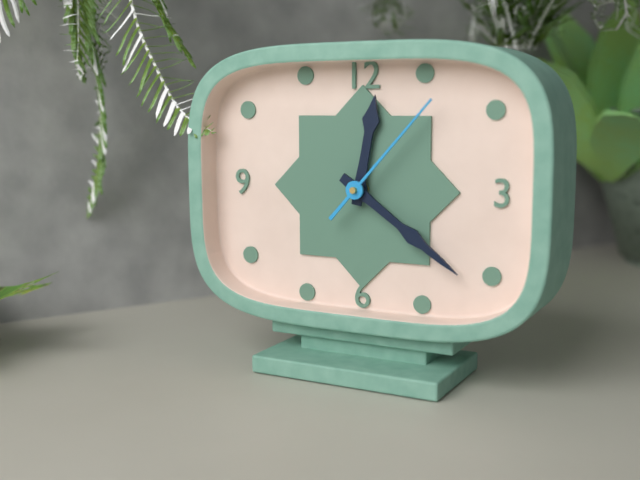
12:21:07
